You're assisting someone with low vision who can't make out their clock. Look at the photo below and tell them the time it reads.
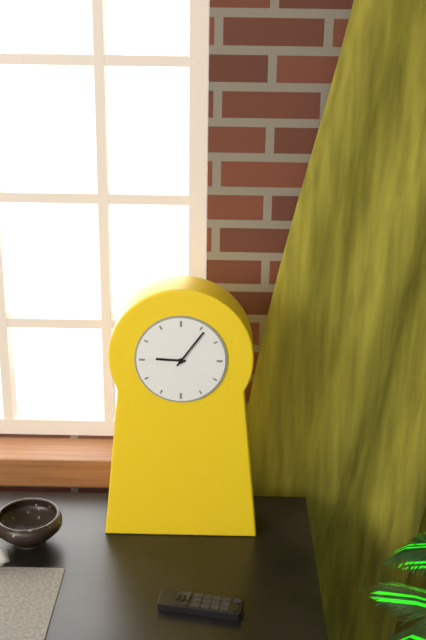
9:06
